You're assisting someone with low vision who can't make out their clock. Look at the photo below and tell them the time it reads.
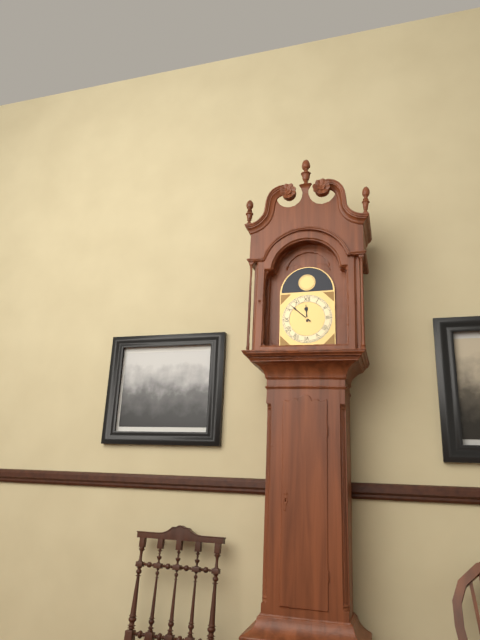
11:52
